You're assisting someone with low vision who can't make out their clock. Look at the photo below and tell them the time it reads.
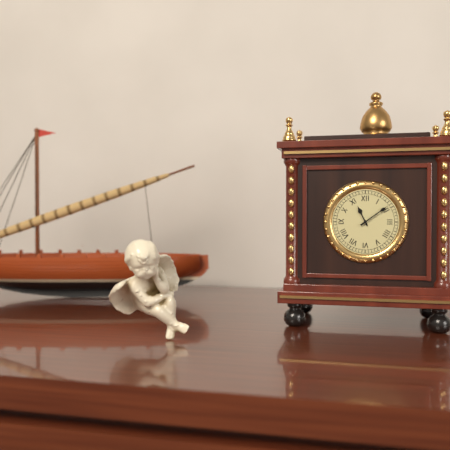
11:09
